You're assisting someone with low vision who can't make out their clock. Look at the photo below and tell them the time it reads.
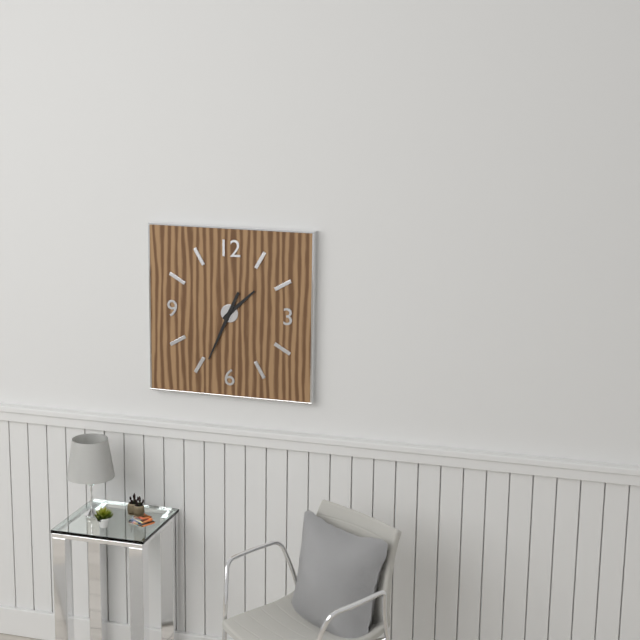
1:34
